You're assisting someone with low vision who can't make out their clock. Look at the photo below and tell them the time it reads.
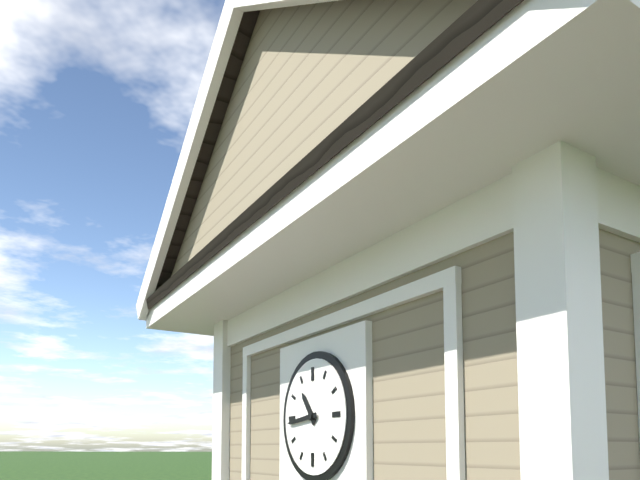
10:44
